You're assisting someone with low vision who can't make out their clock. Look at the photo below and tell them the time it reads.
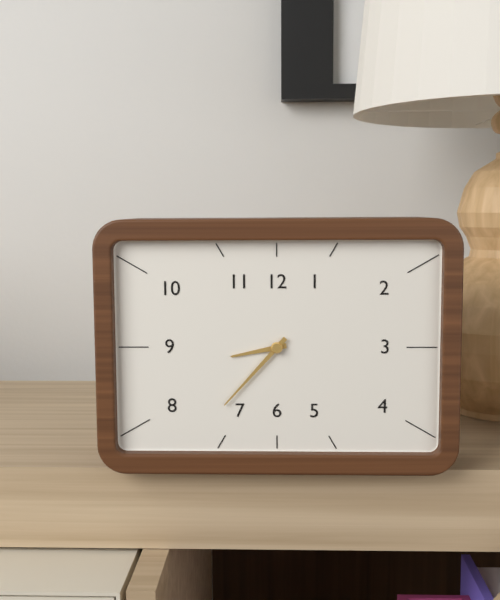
8:37
